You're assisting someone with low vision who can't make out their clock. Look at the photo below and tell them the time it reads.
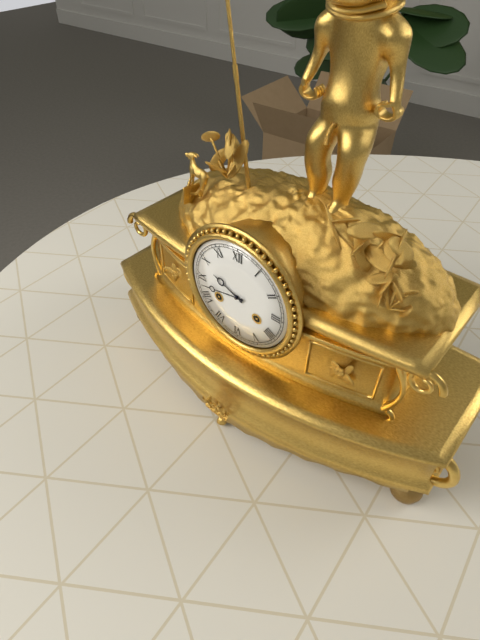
9:43
